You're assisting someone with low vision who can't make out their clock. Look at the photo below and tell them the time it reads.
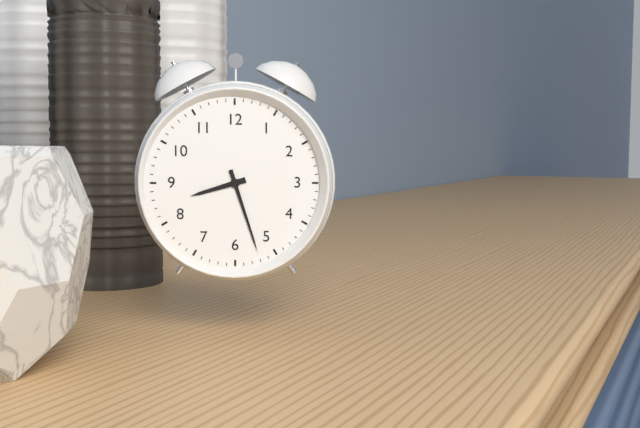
8:27
